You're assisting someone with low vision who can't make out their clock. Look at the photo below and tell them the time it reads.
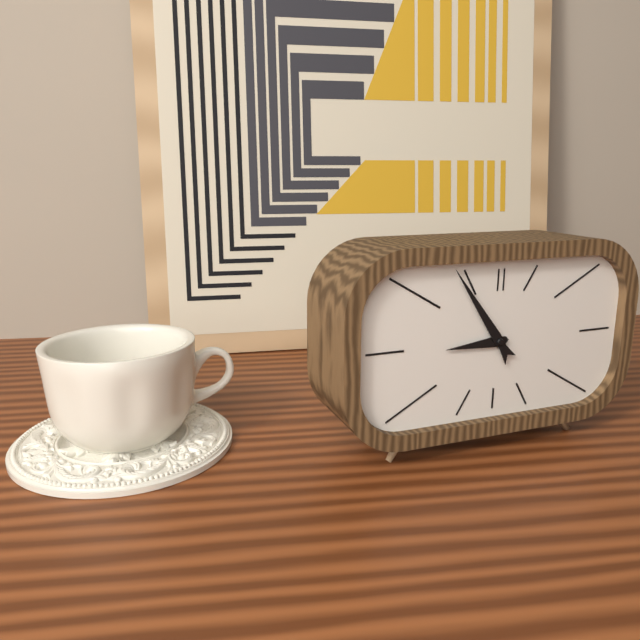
8:54
